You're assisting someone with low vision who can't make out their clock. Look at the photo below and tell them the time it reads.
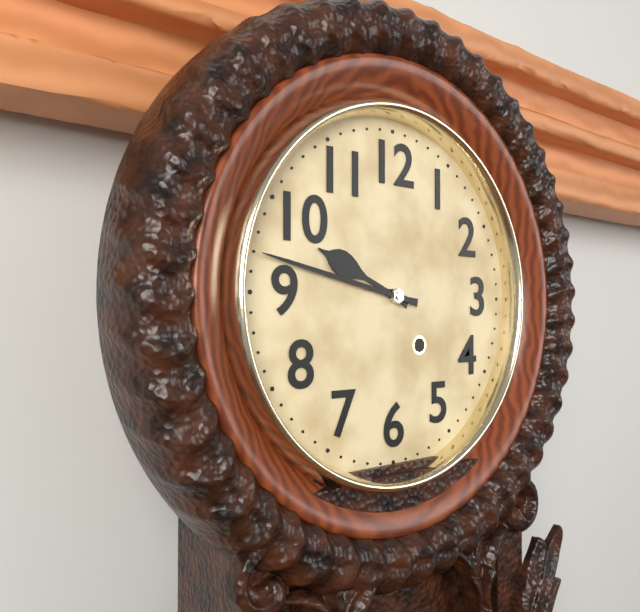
9:47
